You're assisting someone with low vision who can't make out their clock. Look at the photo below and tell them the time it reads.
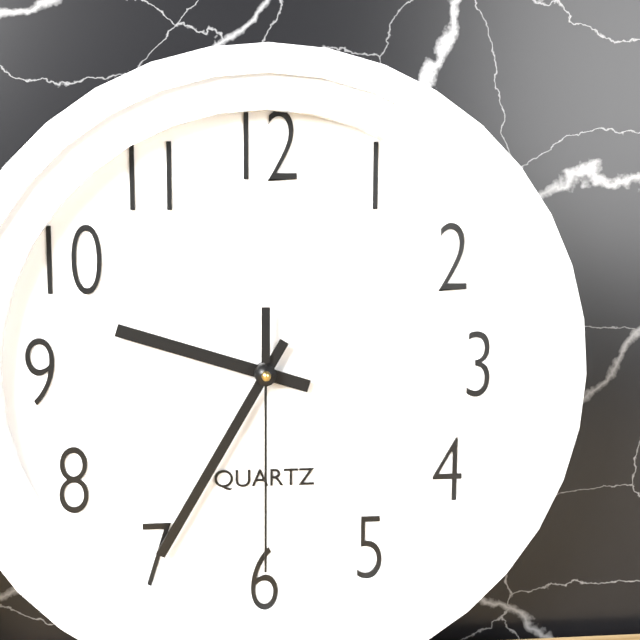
9:35:30
